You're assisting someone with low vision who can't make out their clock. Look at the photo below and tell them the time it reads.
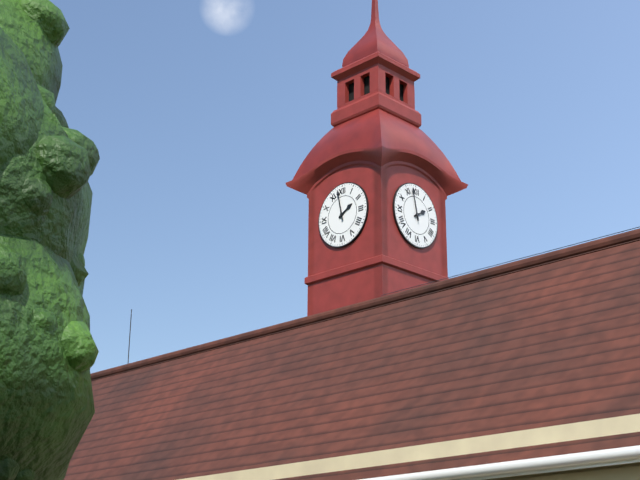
1:58
